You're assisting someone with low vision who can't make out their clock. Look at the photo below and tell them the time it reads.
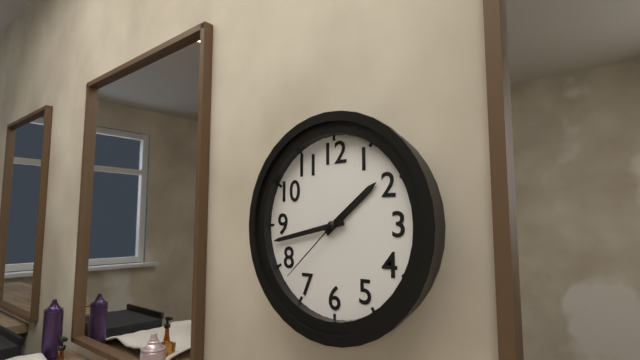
1:43:38
